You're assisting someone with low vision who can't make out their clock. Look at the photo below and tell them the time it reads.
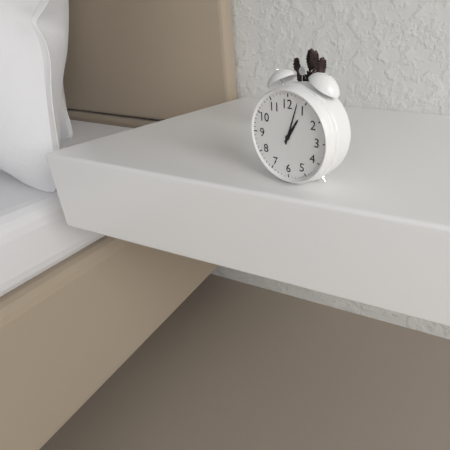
1:03
